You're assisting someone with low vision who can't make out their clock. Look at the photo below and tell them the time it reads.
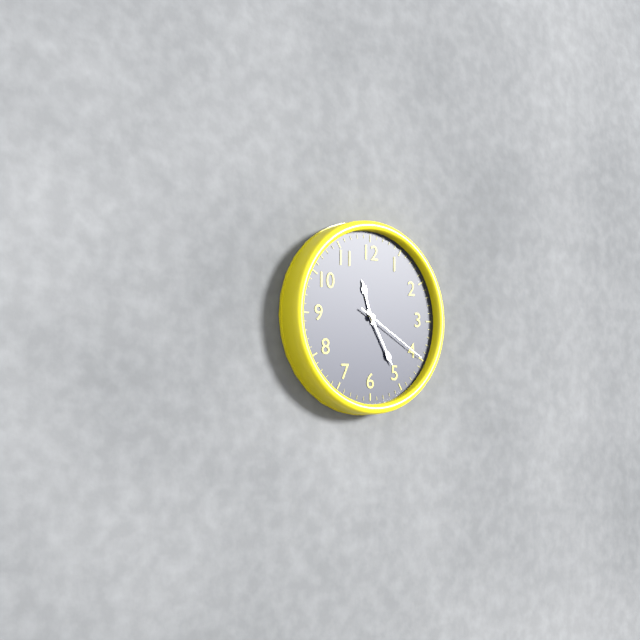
11:25:20
